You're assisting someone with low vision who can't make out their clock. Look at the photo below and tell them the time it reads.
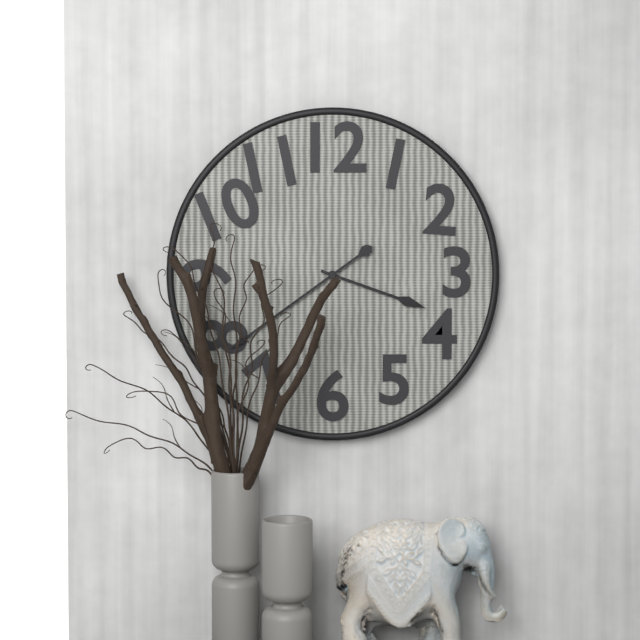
3:39
